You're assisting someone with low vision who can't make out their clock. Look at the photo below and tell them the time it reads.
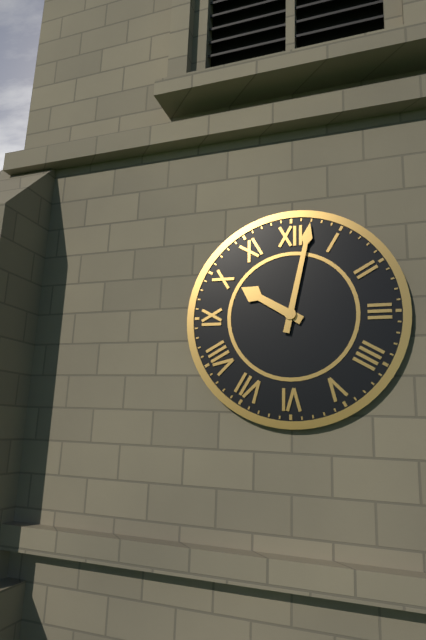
10:02
